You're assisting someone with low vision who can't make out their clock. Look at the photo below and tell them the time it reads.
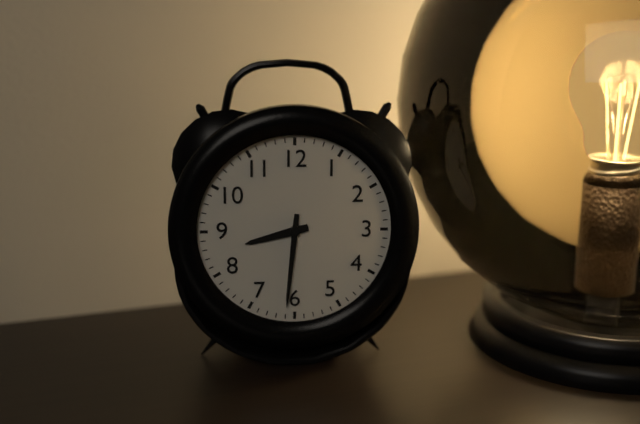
8:31
